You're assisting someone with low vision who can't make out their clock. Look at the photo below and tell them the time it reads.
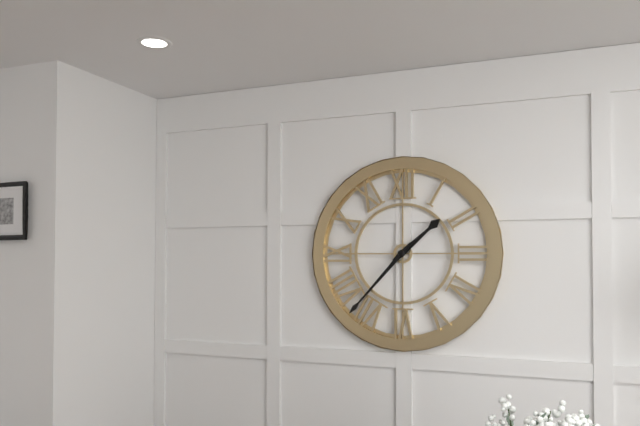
1:37
